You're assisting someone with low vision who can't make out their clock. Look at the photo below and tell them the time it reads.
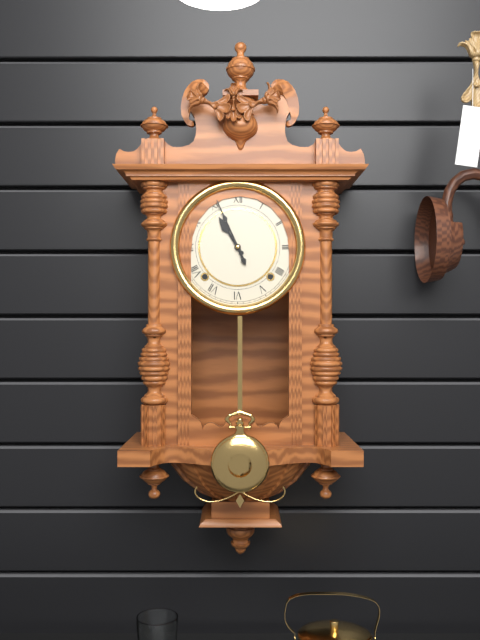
10:56
